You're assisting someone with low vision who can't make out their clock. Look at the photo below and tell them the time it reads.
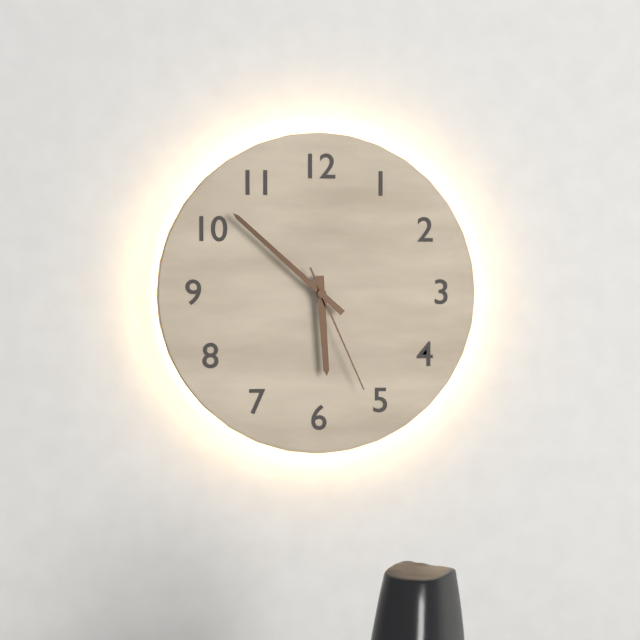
5:52:26
